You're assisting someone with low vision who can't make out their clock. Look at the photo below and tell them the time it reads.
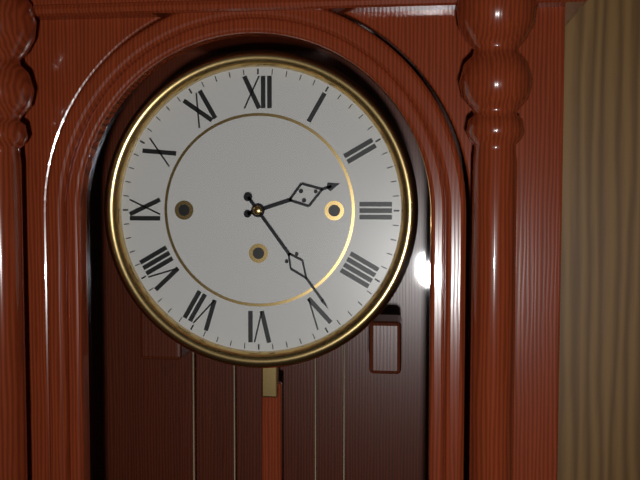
2:24
